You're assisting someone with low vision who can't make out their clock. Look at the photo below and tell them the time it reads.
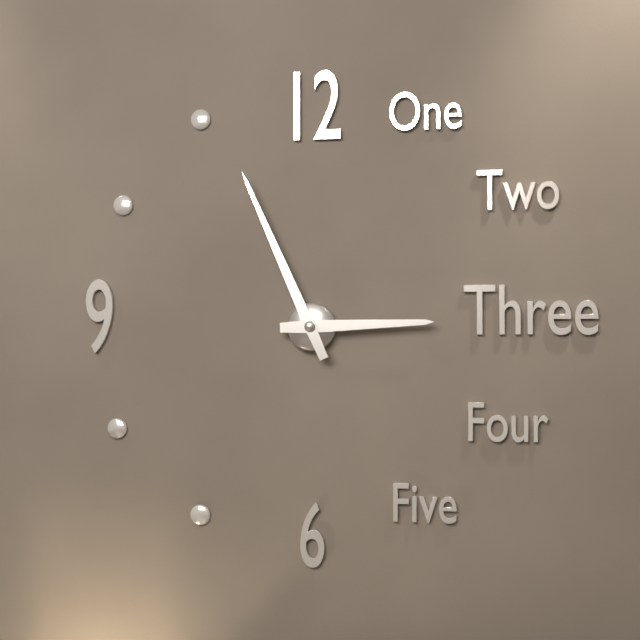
2:56
